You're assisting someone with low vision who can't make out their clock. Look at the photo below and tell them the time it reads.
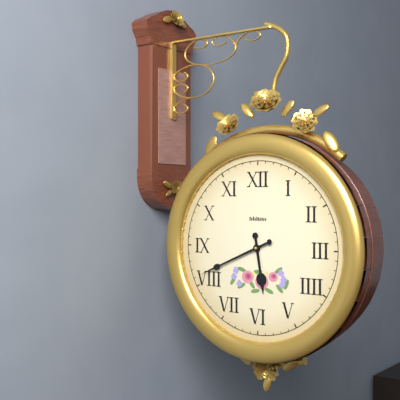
5:41
